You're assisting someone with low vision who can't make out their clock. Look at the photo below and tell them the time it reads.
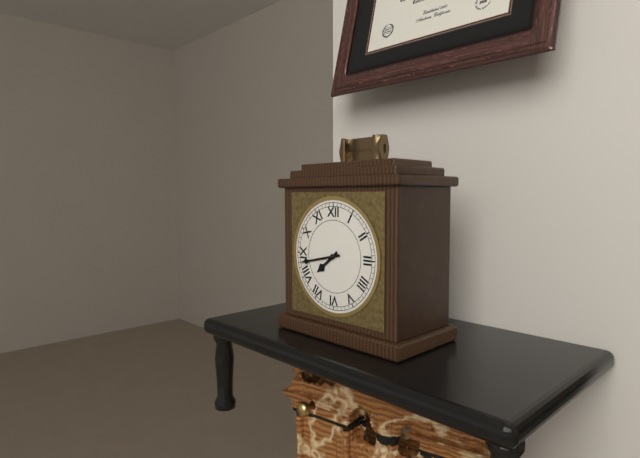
7:43
